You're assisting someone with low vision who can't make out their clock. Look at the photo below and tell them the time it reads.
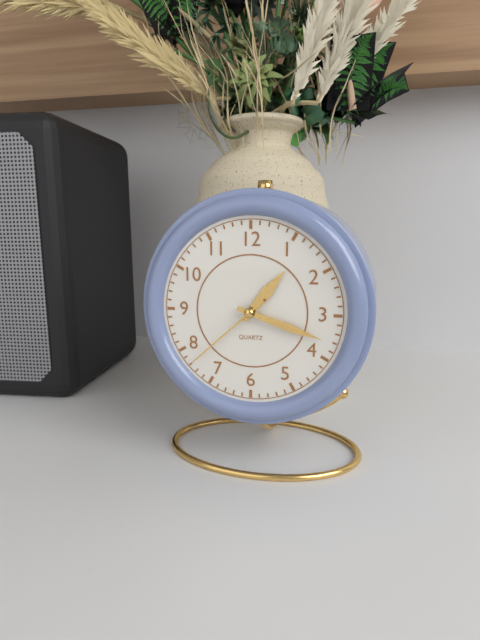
1:18:38
